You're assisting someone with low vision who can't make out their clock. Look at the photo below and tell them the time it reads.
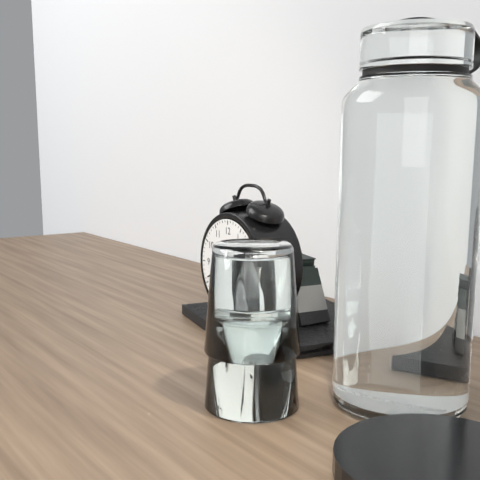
7:41
